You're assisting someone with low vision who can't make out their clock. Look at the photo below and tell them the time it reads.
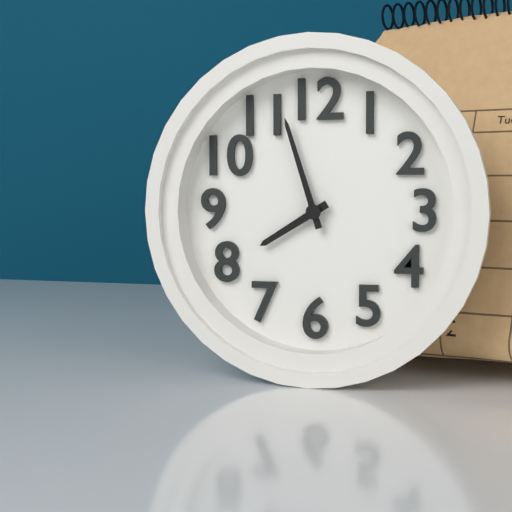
7:57
